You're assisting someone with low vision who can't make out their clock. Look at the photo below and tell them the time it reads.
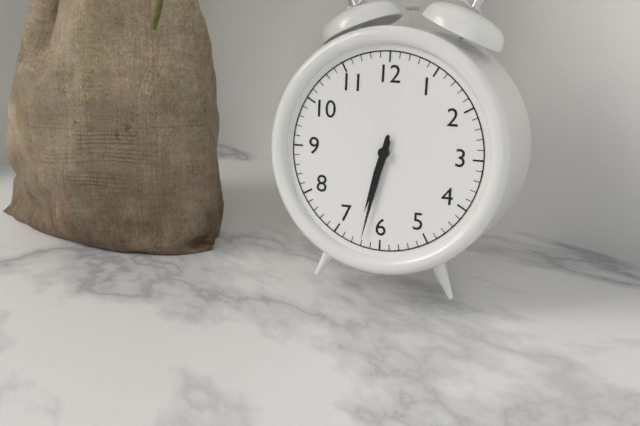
6:32
